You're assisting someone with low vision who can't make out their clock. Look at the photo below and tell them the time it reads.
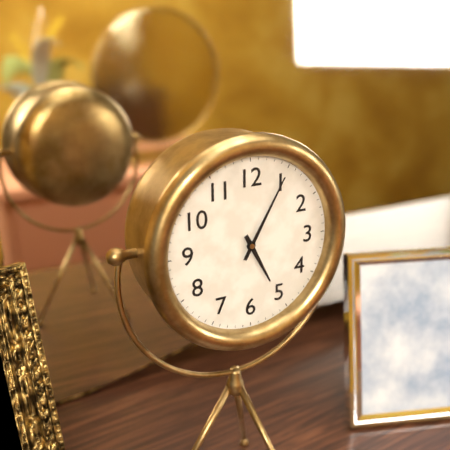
5:05
